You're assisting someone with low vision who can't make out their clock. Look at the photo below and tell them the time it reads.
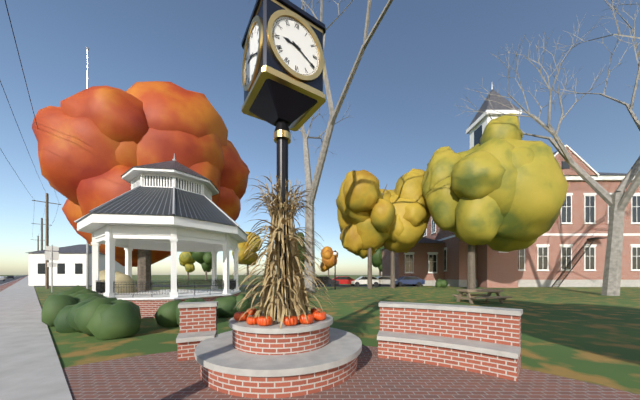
9:20
